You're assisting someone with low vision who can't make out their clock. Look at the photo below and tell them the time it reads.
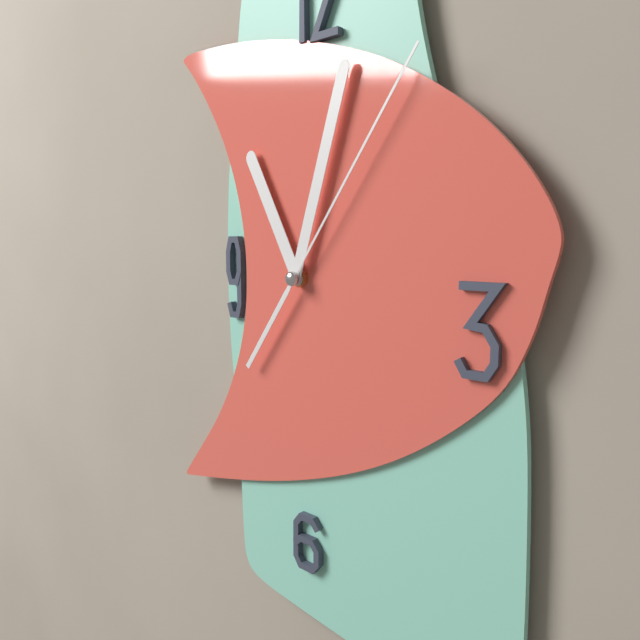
11:03:06
